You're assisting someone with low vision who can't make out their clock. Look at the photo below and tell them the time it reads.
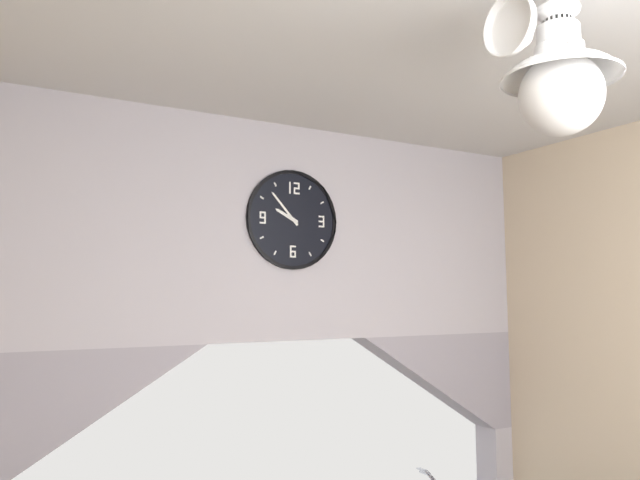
9:53
